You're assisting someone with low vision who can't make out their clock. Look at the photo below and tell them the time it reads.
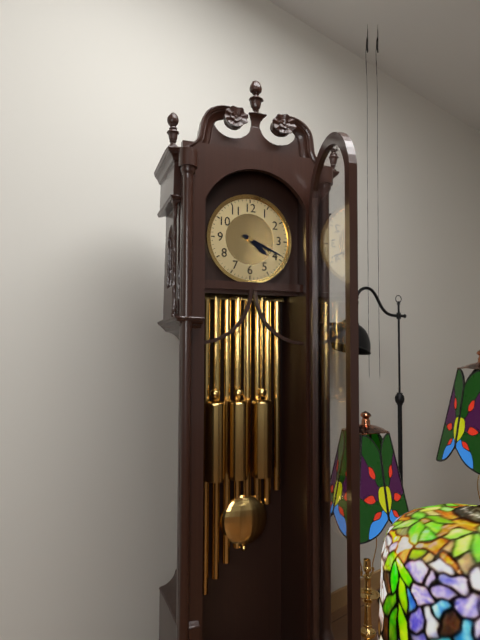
4:19
